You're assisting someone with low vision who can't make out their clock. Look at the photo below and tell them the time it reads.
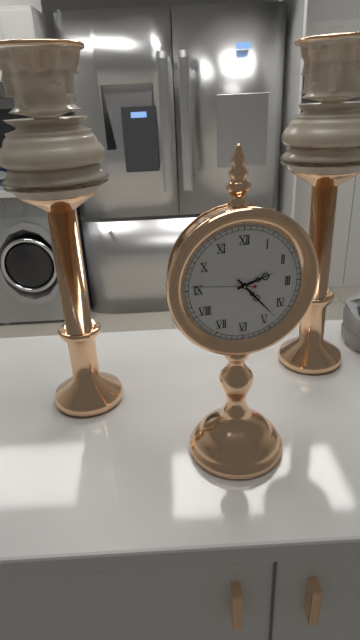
2:23:46
